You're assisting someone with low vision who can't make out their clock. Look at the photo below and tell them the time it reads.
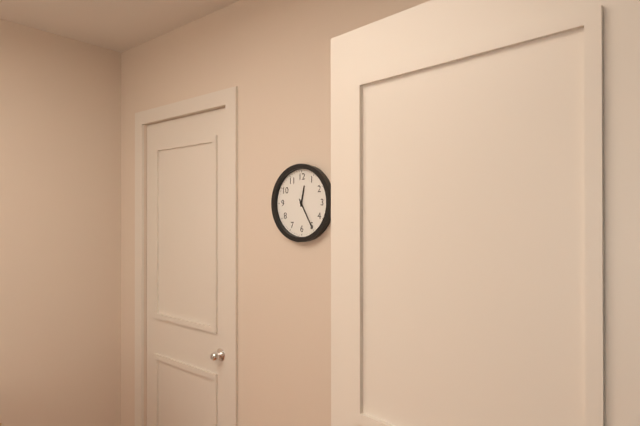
12:25
